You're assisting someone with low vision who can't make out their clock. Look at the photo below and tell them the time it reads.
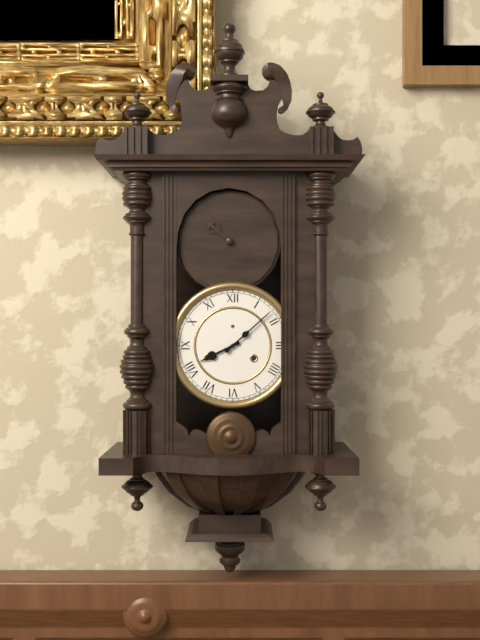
8:08
